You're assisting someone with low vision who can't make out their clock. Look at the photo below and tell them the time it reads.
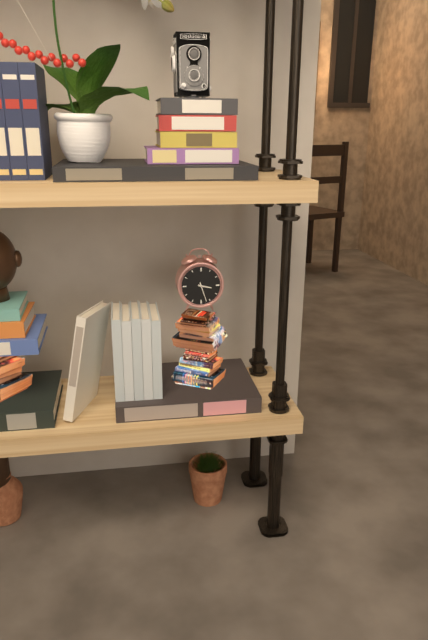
3:27
